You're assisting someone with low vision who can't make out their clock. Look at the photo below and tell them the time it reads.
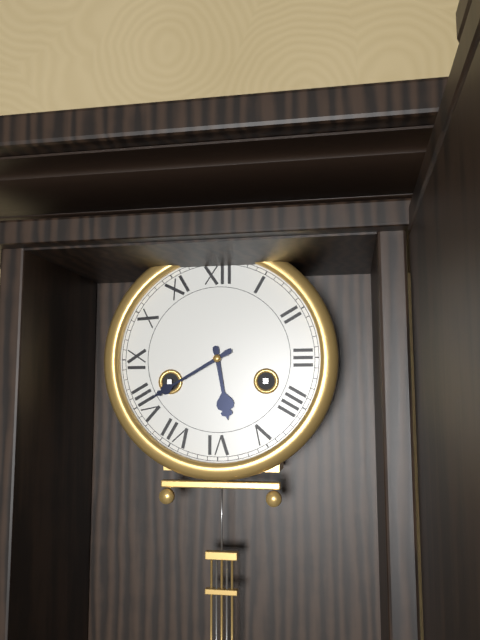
5:40
